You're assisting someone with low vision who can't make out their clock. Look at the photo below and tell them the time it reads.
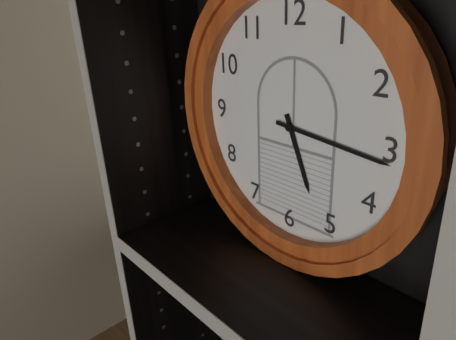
5:16
